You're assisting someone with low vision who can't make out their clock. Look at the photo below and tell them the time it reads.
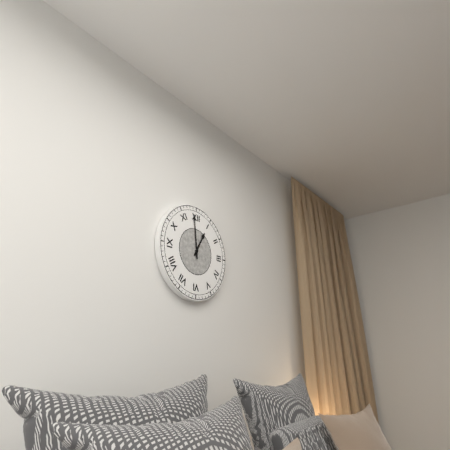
12:59
